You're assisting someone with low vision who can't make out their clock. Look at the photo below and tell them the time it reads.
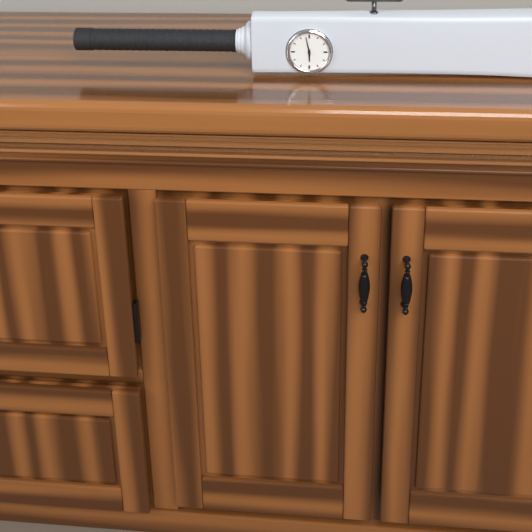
5:58
